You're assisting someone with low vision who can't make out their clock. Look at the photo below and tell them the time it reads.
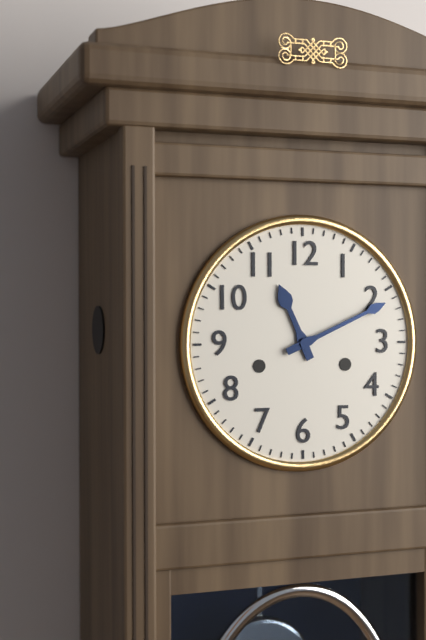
11:11
